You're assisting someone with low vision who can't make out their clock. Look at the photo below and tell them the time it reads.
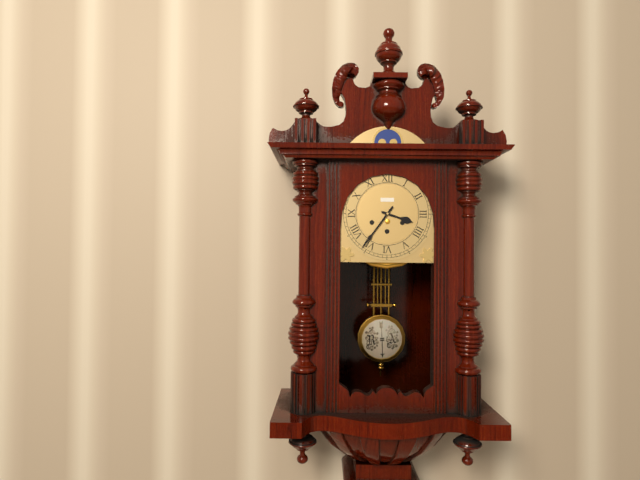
3:36
